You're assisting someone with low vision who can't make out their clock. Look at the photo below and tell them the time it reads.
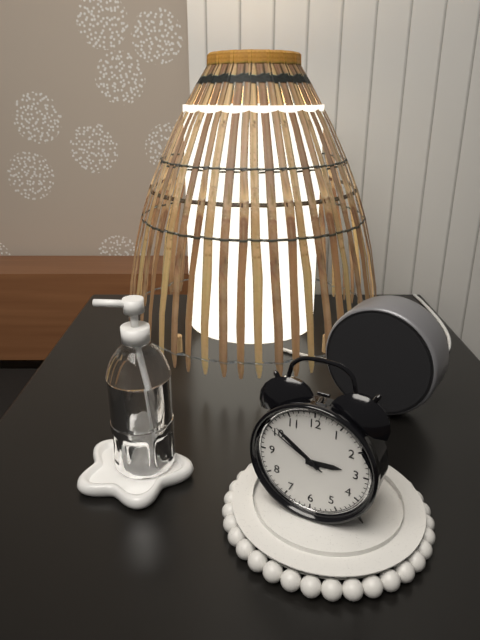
2:51:50
